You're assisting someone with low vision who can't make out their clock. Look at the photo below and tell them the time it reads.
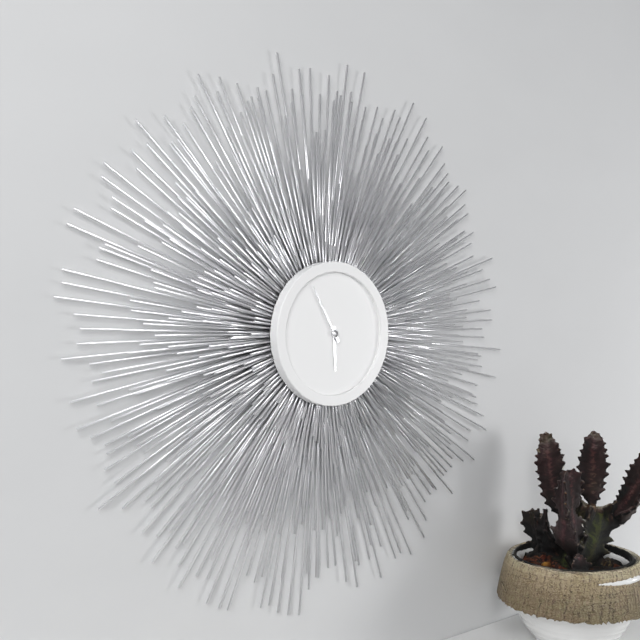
5:55
